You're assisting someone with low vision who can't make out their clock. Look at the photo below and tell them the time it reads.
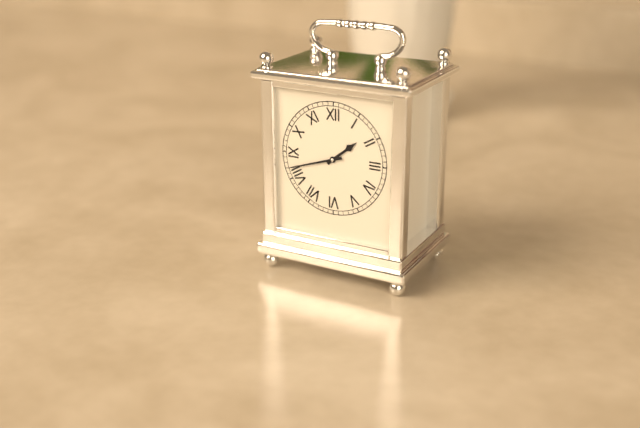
1:42
